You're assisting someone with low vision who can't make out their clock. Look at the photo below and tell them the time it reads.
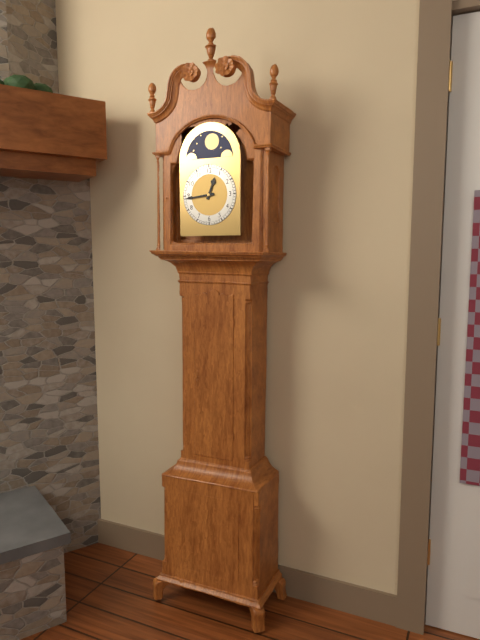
12:44
